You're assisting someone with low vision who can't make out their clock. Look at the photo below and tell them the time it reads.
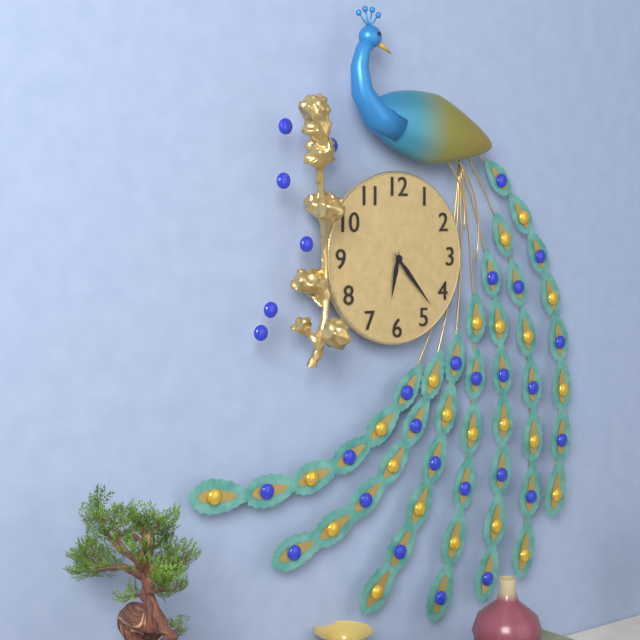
6:23
